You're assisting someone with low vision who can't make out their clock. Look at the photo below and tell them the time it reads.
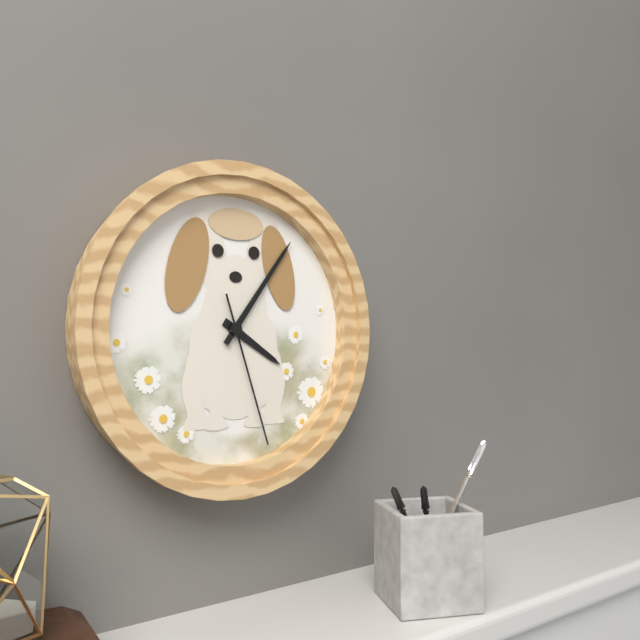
4:06:27
